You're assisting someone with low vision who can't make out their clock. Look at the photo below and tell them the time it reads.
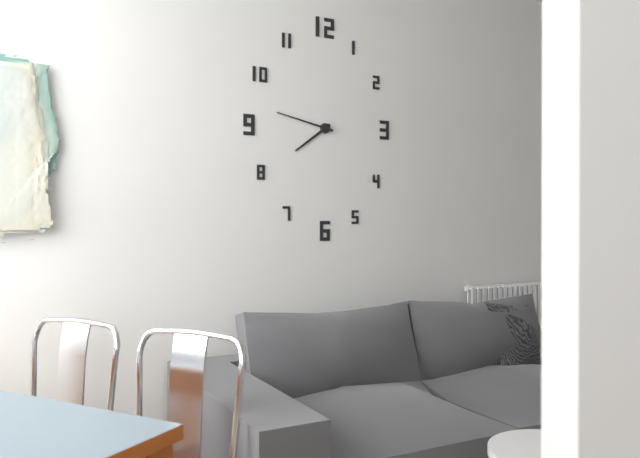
7:47
